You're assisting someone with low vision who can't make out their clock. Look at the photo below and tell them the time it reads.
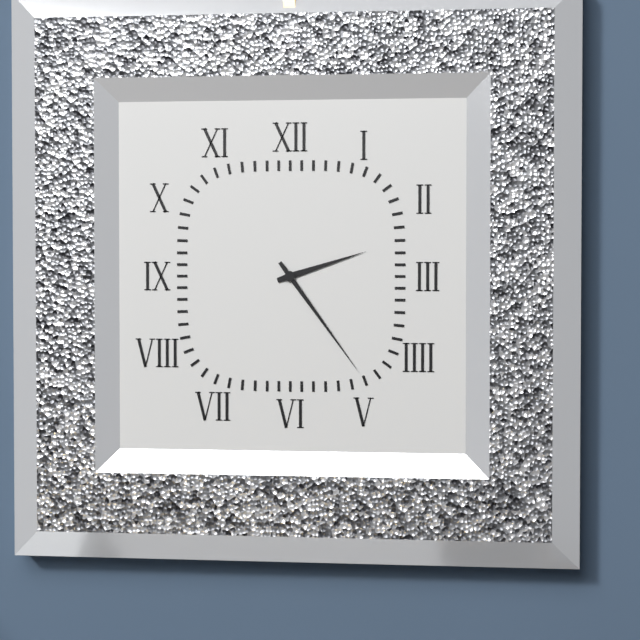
2:24
